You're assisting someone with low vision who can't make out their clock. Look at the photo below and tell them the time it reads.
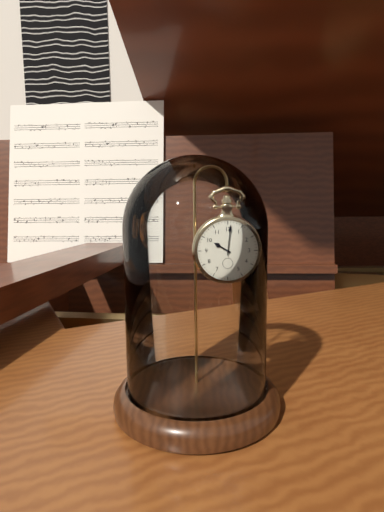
10:01
